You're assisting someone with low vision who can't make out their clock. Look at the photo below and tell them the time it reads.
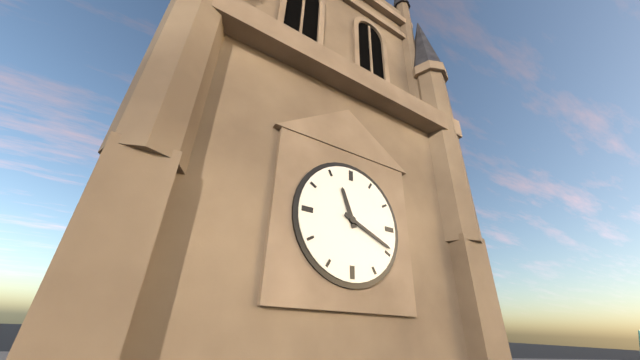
11:19
